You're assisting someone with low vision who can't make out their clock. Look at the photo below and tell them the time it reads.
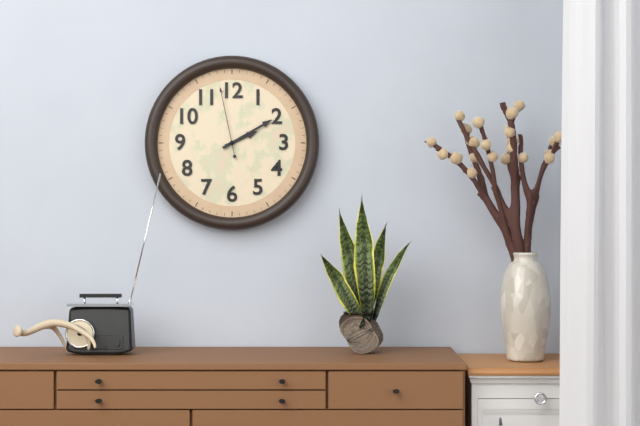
2:10:58
